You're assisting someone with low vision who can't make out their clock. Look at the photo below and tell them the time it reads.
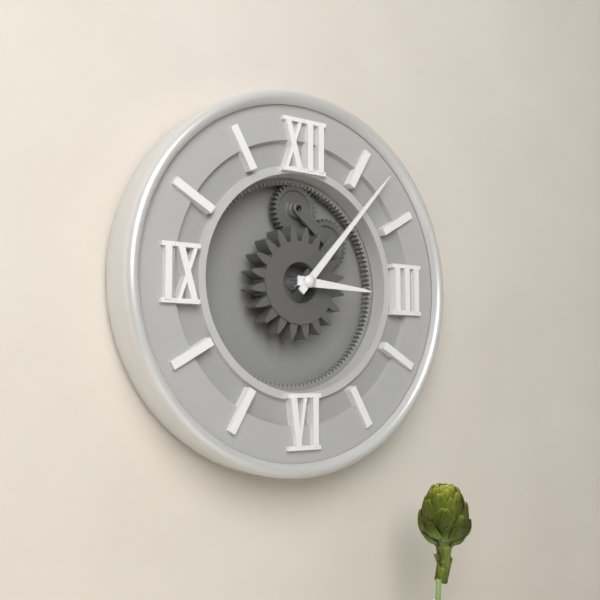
3:07
